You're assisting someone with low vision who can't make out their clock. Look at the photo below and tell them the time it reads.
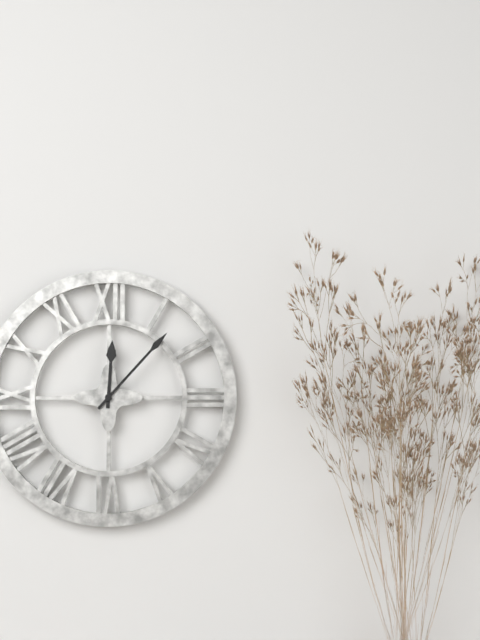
12:07
